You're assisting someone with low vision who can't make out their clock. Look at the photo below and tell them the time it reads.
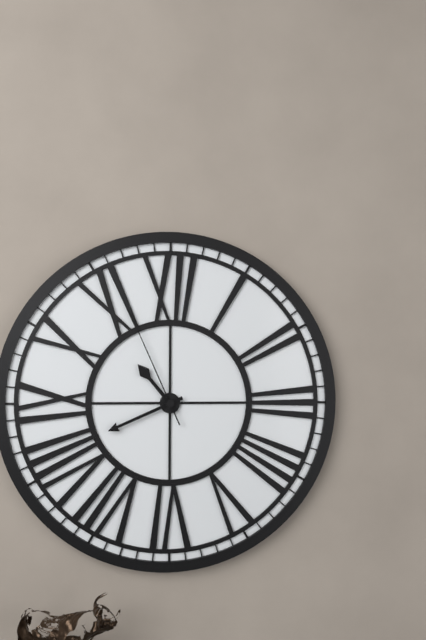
10:41:56
